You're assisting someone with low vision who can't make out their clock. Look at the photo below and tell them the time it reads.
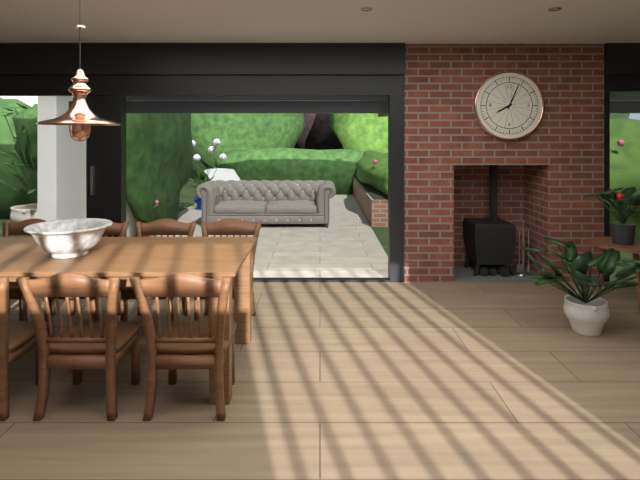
8:04
